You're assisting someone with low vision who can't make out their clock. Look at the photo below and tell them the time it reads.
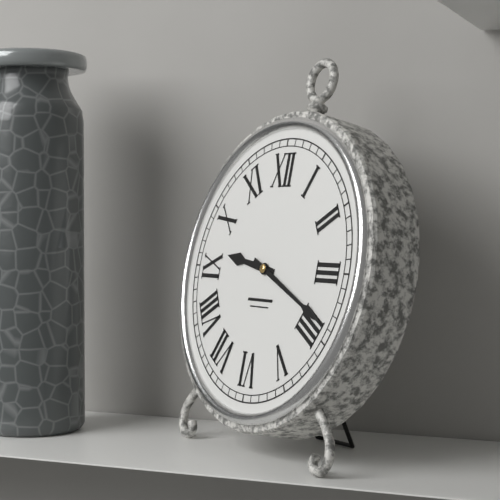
9:19
